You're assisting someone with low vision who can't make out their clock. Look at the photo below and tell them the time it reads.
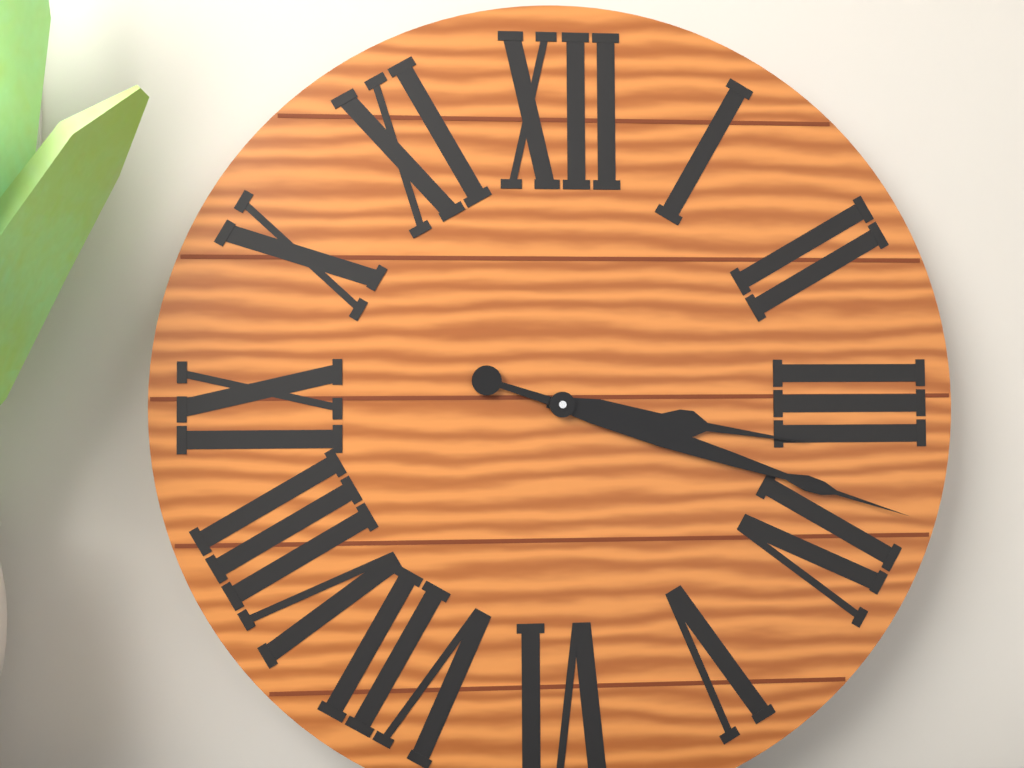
3:18
